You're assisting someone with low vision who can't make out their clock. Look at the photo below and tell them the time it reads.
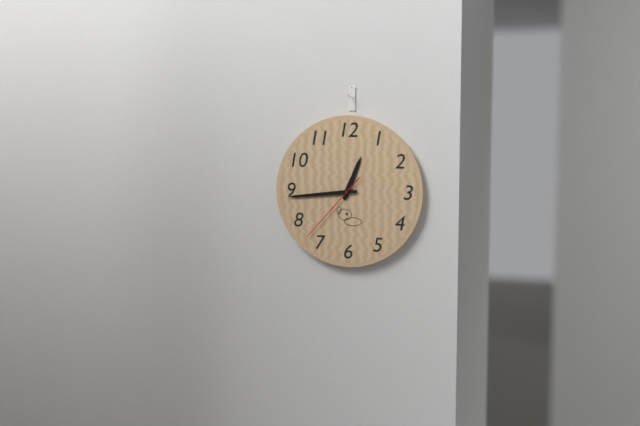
12:44:37
